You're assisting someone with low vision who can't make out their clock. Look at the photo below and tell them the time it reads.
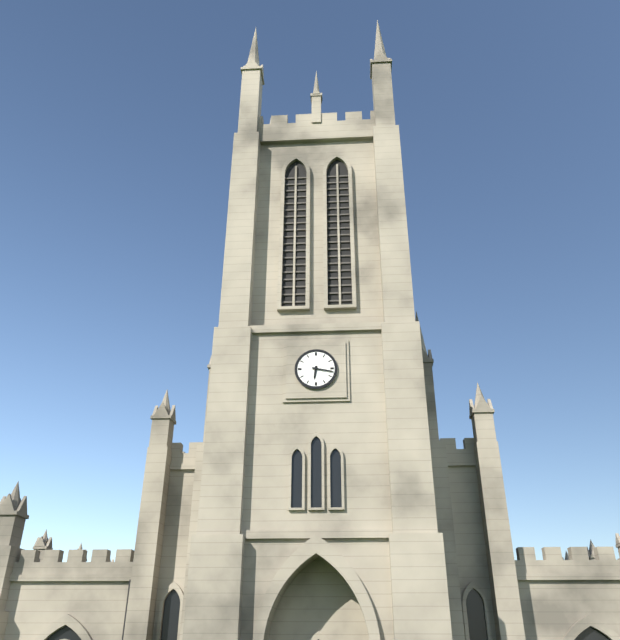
6:17
